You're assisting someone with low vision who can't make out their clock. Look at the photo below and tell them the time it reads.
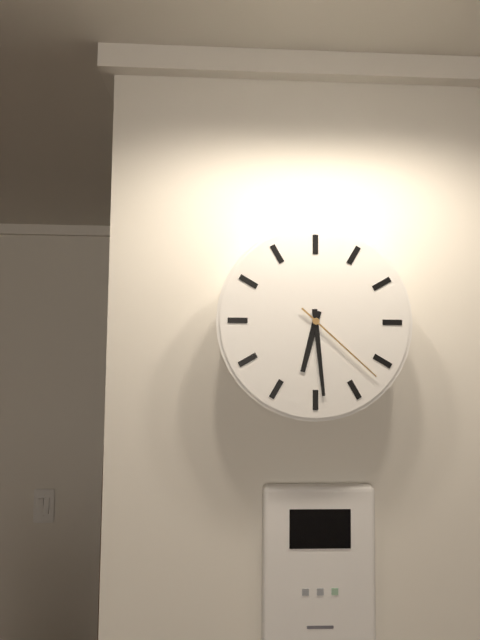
6:29:22
